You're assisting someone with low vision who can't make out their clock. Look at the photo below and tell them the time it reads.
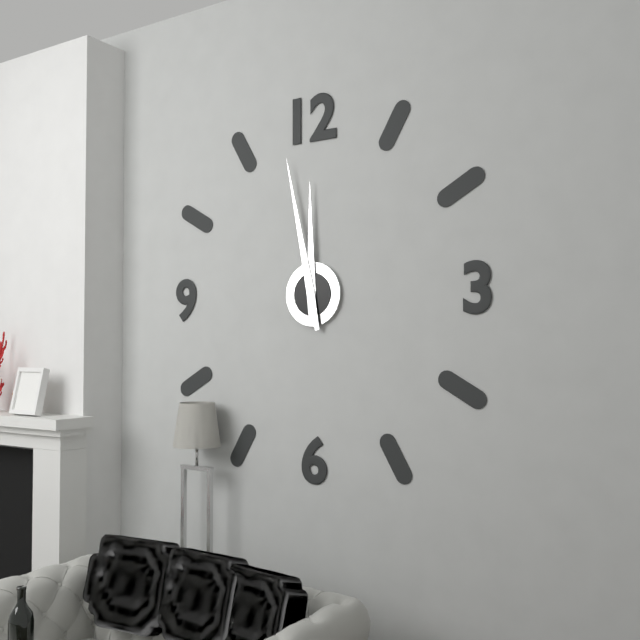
11:58
